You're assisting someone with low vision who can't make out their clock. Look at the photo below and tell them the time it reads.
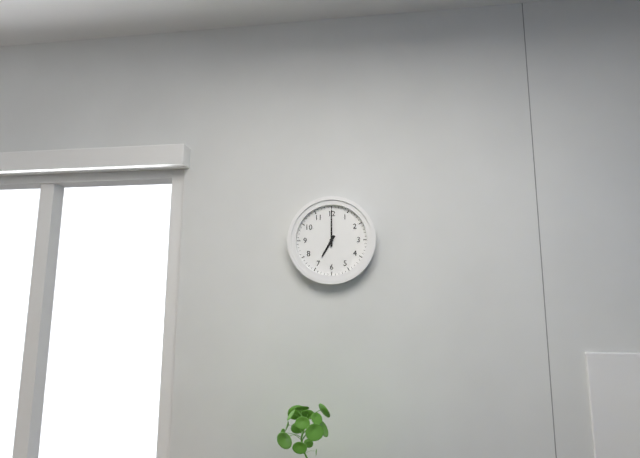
7:00
